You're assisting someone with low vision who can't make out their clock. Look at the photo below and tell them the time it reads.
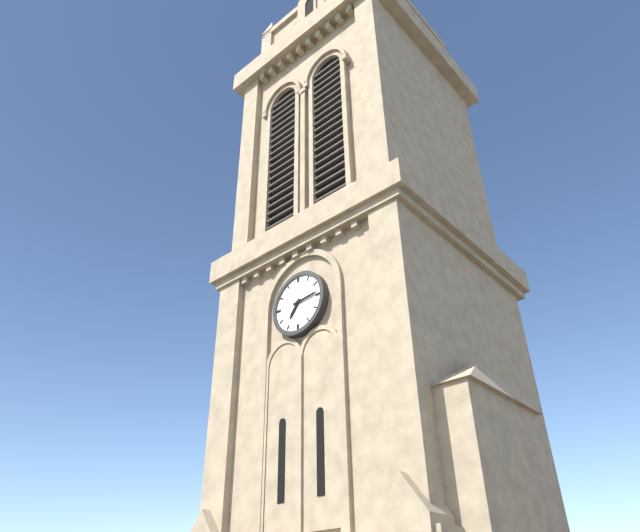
7:14
